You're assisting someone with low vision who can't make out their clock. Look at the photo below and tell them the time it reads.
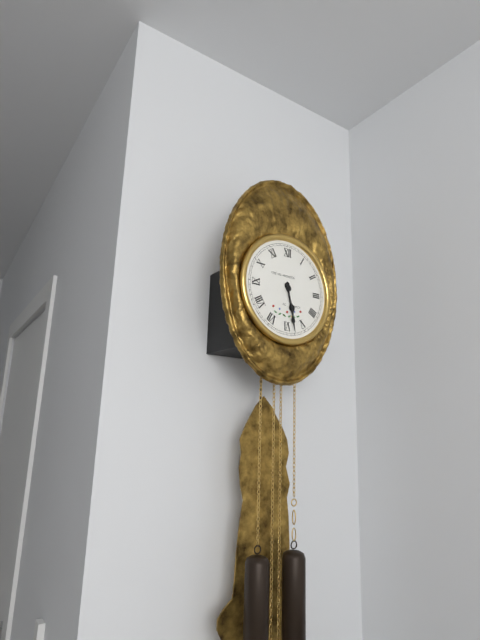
5:28
